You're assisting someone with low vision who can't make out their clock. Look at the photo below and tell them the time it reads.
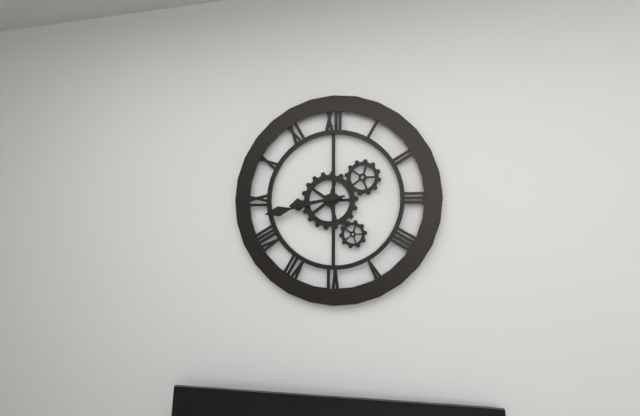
8:43
